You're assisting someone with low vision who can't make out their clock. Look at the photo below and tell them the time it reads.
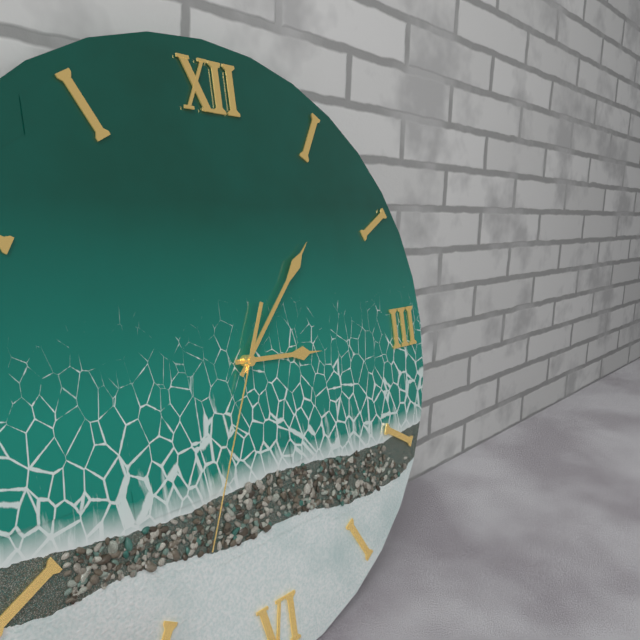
3:07:34
